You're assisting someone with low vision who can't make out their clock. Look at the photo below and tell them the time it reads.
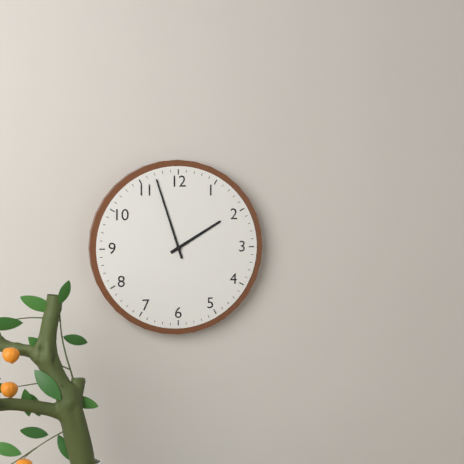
1:57
